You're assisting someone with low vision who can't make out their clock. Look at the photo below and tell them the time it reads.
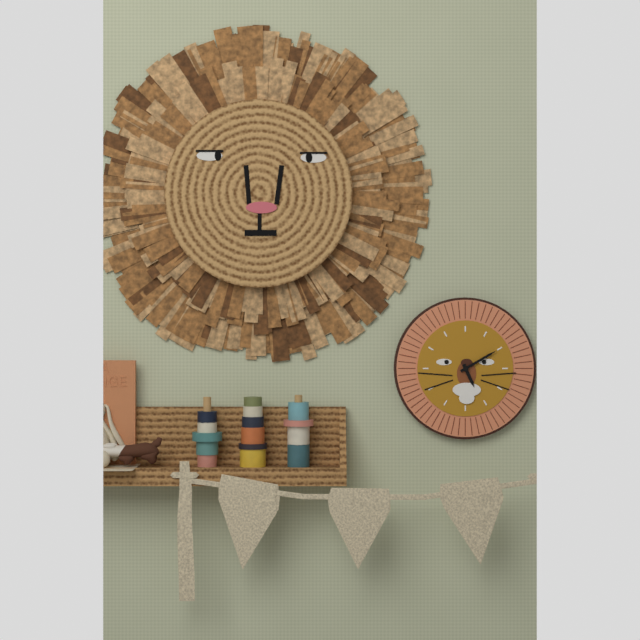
5:10
